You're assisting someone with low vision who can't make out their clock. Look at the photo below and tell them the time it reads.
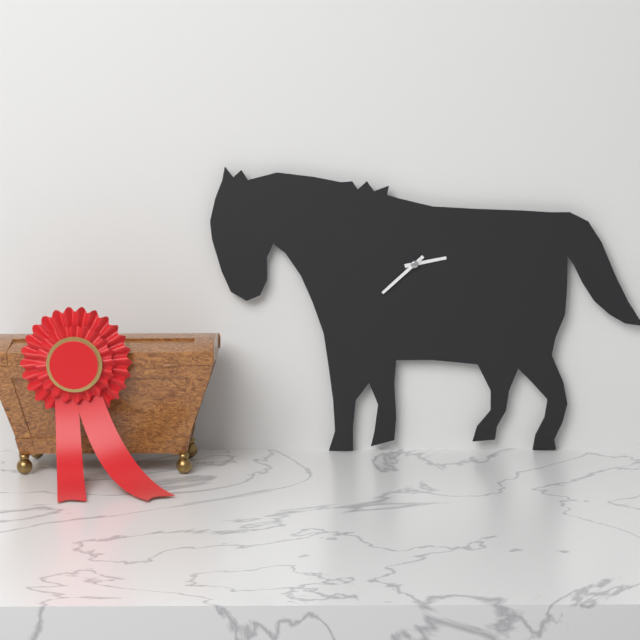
2:38
